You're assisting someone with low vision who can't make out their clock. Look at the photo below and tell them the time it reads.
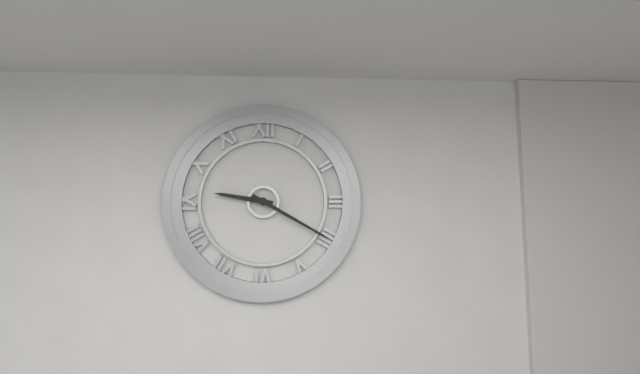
9:20
